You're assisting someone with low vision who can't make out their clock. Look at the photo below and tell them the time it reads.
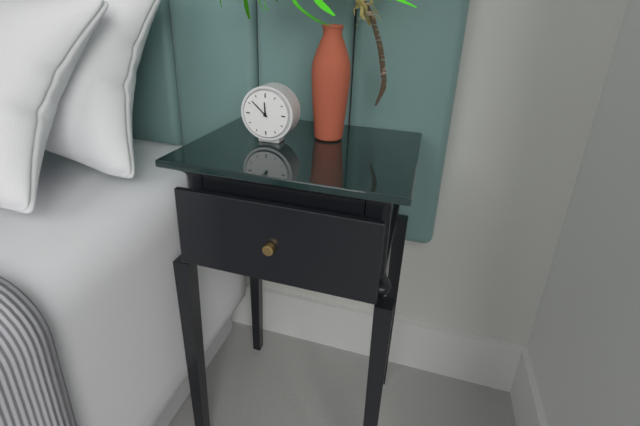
11:52
